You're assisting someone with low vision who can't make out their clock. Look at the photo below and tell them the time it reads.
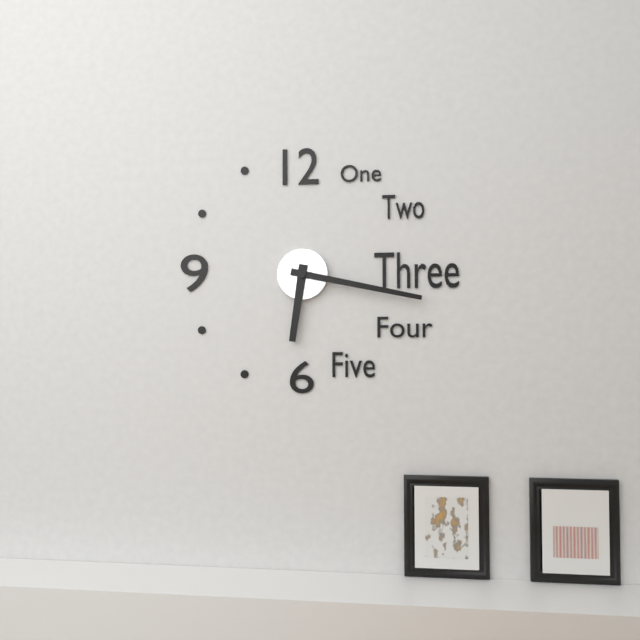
6:17
